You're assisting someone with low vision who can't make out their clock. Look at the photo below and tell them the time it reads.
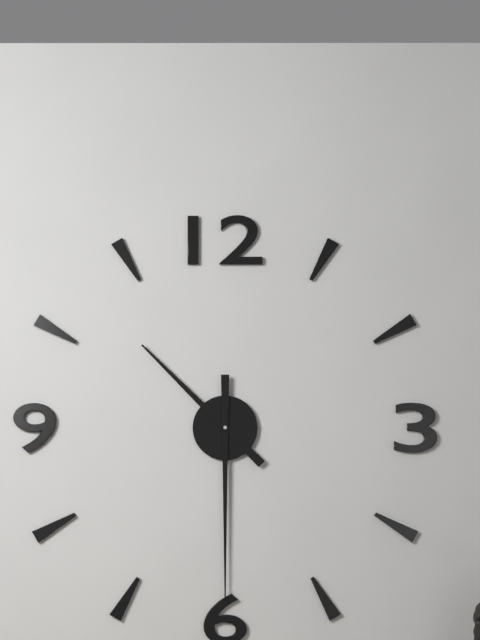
10:30
